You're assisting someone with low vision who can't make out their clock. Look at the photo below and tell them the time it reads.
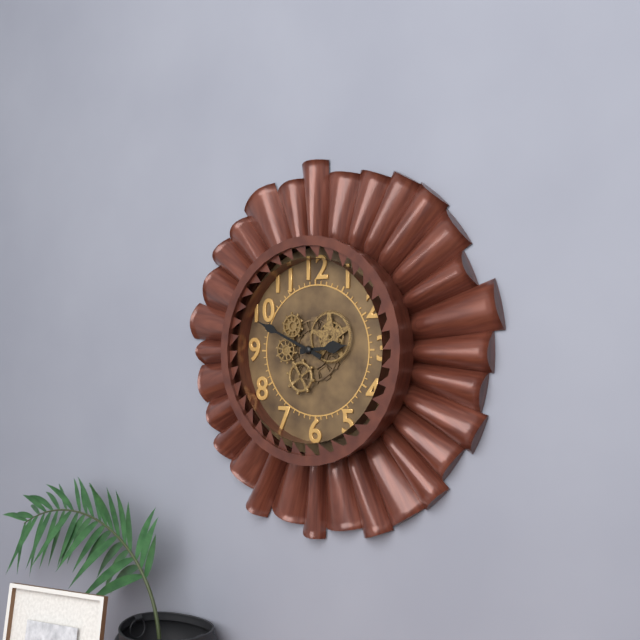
2:49
